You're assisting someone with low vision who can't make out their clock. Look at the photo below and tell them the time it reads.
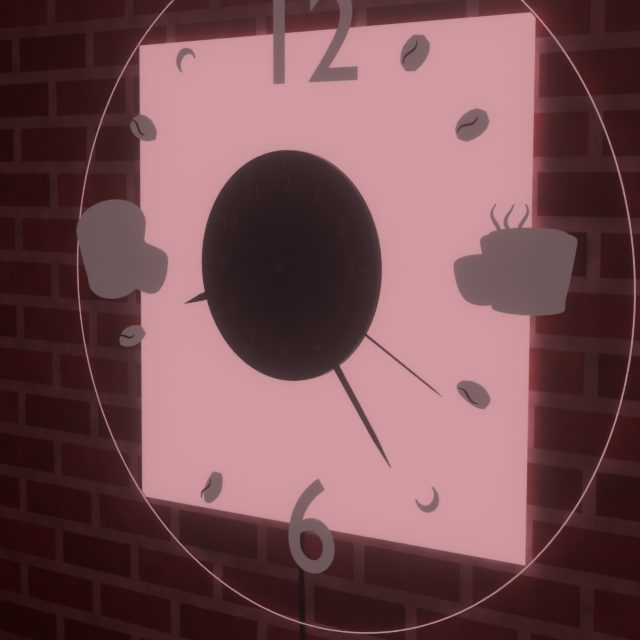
8:24:20
